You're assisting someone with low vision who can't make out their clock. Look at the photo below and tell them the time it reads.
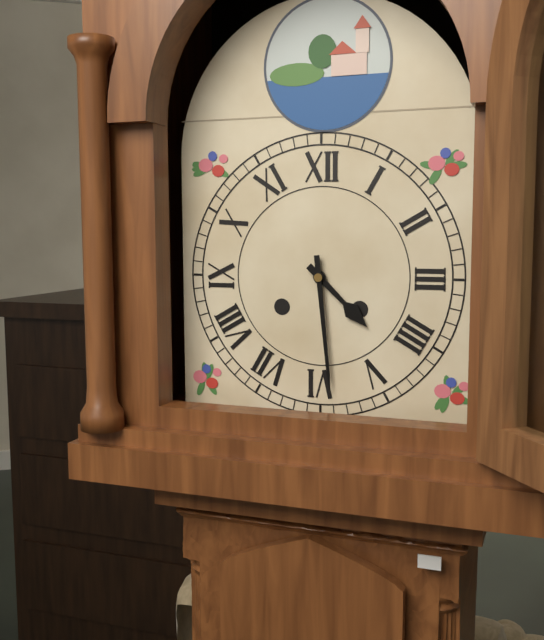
4:29
